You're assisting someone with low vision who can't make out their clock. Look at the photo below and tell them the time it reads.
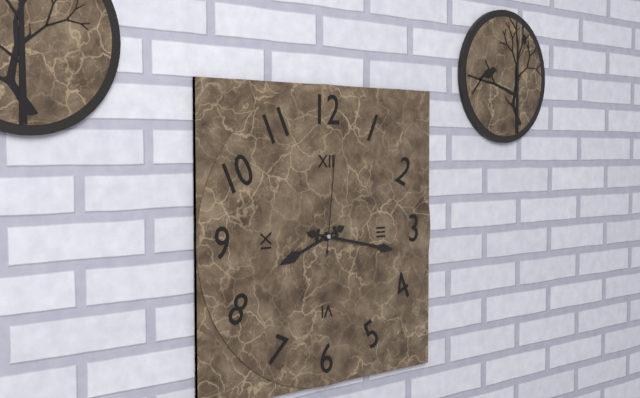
8:17:01
